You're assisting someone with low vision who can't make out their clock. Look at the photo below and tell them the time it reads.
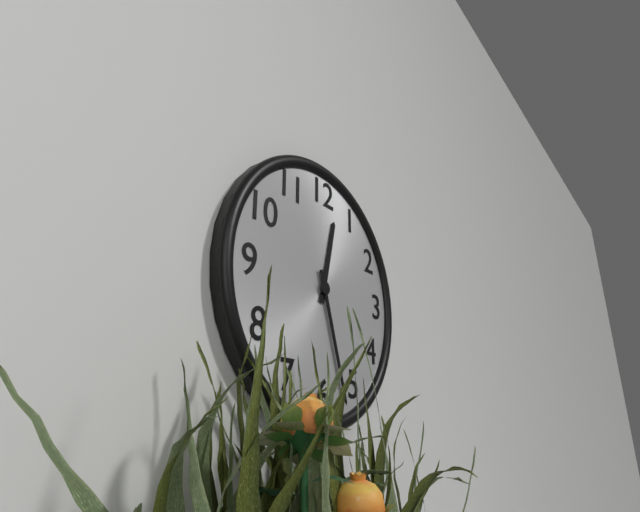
12:27
